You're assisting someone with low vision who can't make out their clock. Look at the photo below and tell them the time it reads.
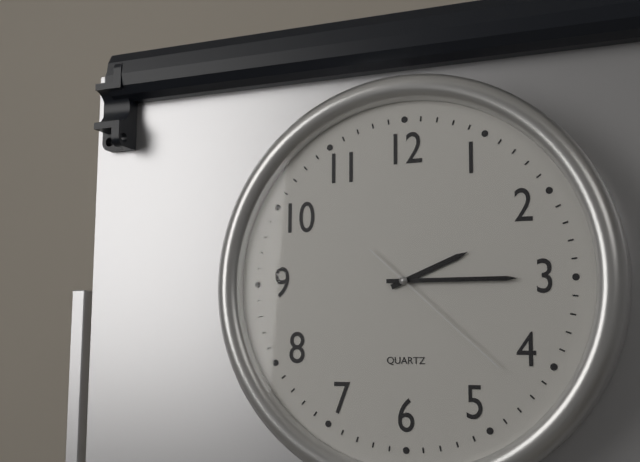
2:15:22
